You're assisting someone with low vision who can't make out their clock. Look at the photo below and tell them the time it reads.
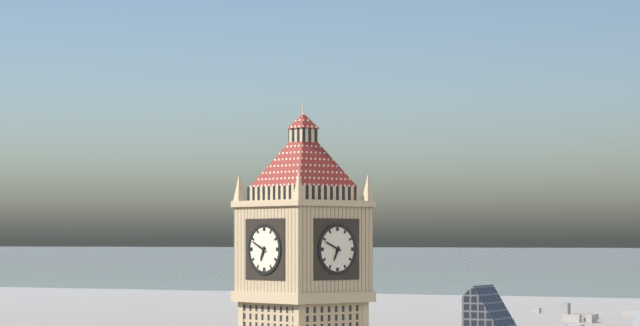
6:49
